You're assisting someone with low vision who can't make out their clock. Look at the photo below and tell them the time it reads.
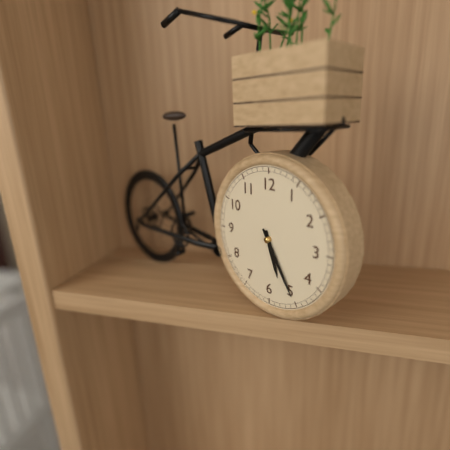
5:25
